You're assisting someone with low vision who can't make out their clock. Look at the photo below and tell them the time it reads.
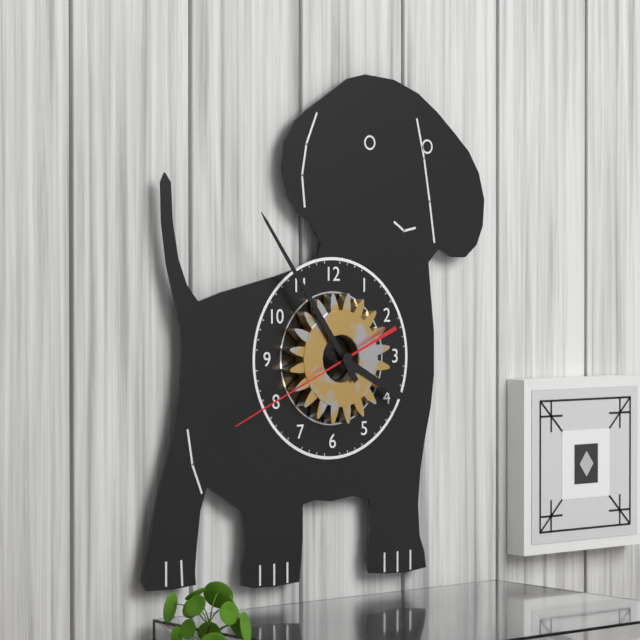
3:54:41
